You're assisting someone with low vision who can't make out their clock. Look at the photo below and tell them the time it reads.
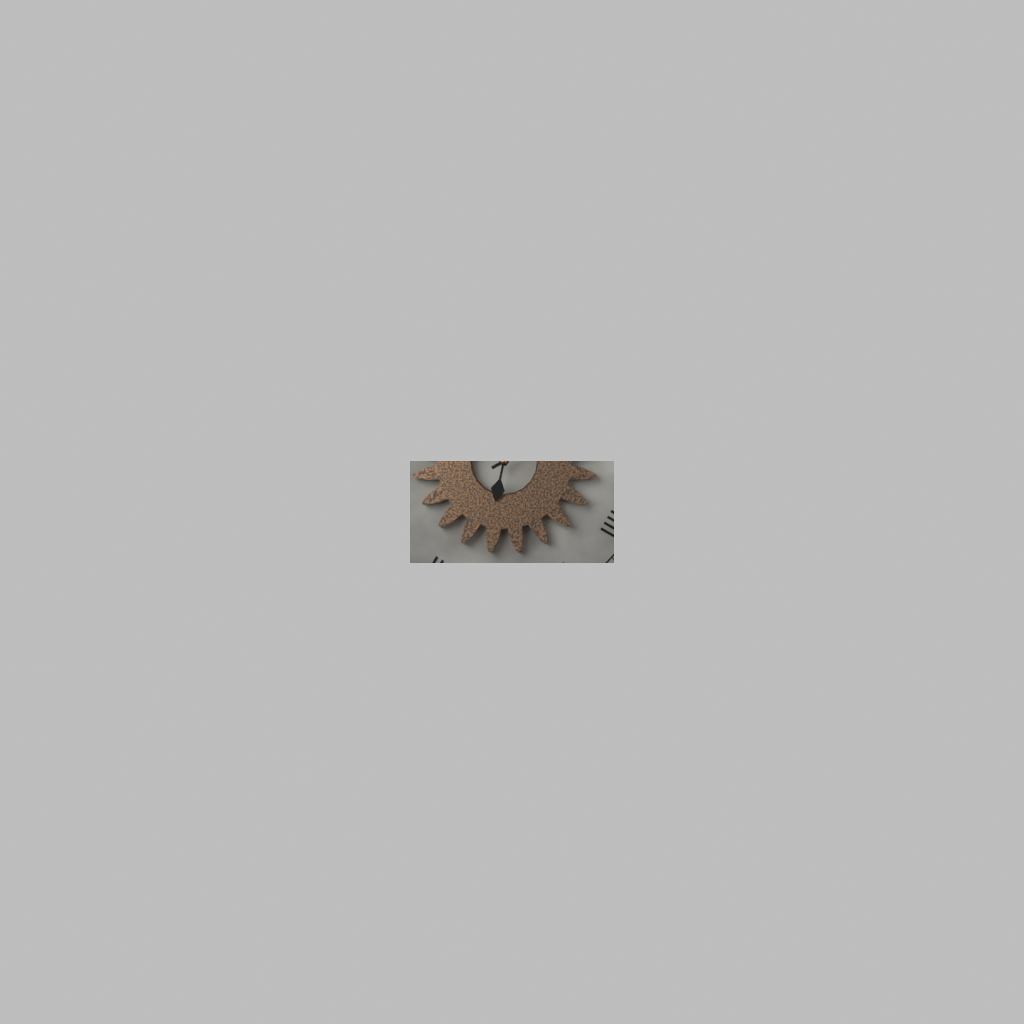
2:02
